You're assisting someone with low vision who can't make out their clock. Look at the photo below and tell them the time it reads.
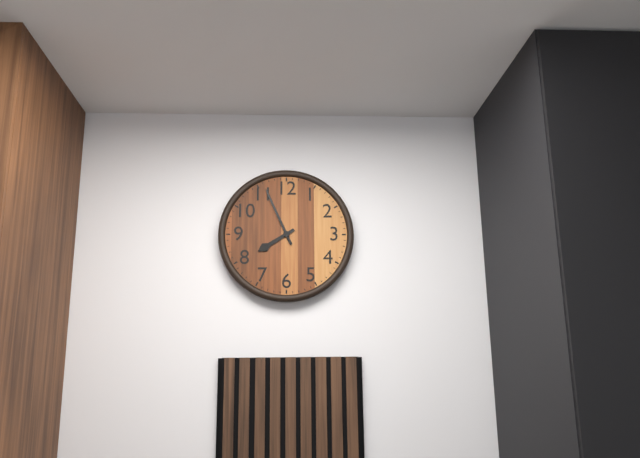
7:56
